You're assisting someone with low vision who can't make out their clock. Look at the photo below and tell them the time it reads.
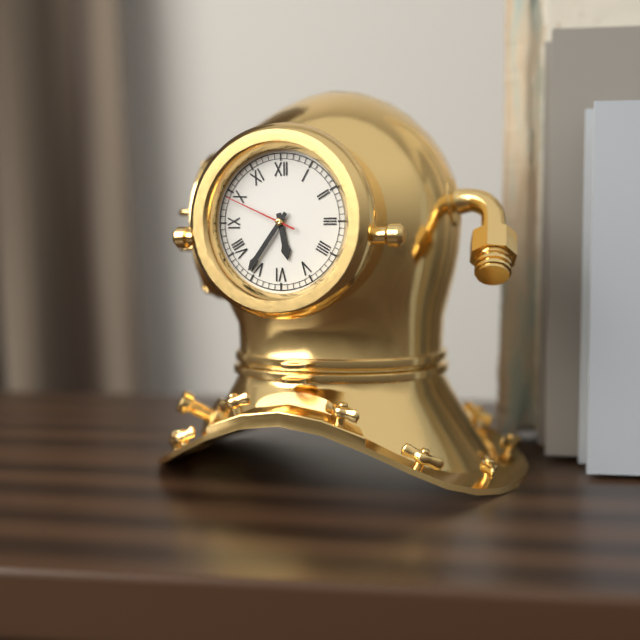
5:36:49
